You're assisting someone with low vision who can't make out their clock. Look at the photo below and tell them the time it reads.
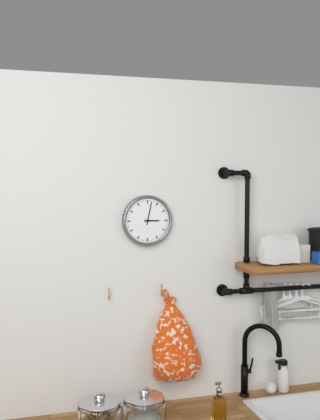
3:02
